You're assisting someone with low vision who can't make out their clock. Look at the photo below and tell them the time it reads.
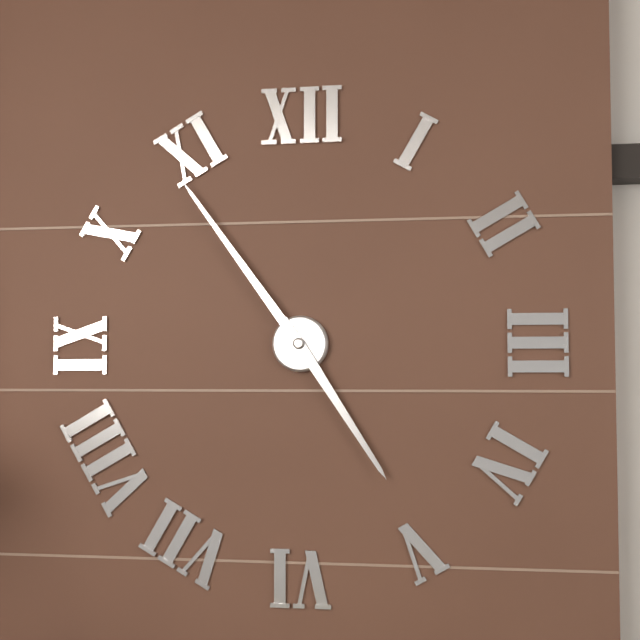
4:54
